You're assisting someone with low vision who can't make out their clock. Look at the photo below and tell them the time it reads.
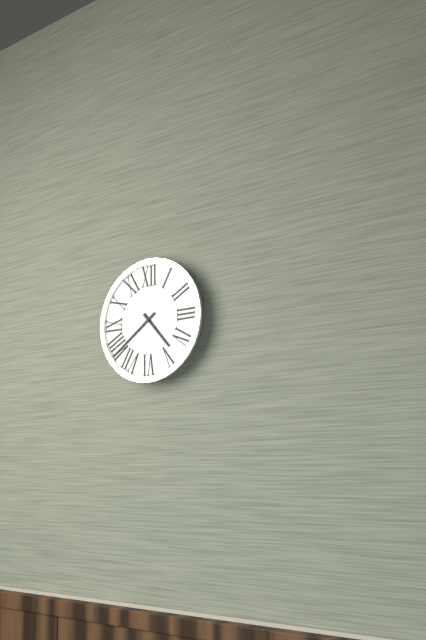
4:39
